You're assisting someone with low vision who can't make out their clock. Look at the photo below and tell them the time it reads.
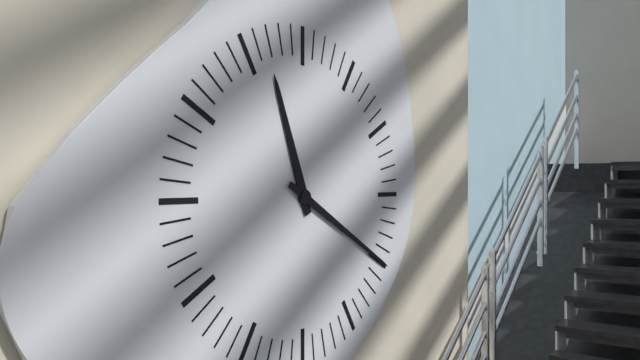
11:20
